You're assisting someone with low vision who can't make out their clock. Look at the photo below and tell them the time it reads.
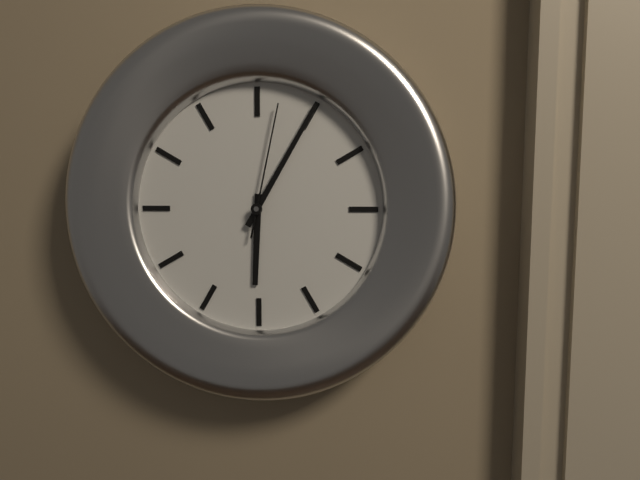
6:05:02
